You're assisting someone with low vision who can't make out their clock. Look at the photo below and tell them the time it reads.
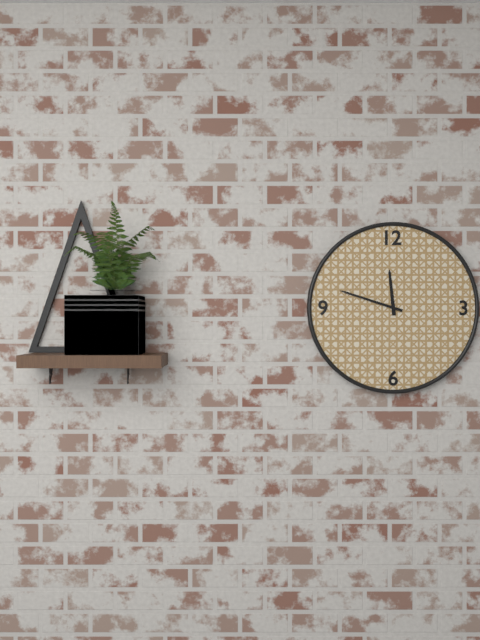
11:48
